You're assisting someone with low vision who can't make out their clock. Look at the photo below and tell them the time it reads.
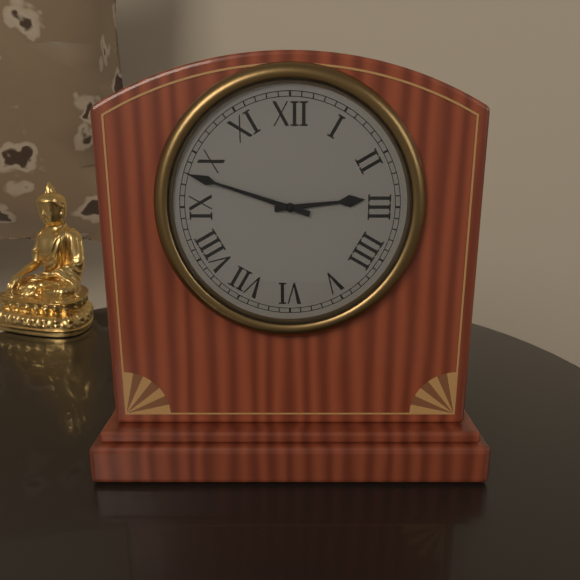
2:48
